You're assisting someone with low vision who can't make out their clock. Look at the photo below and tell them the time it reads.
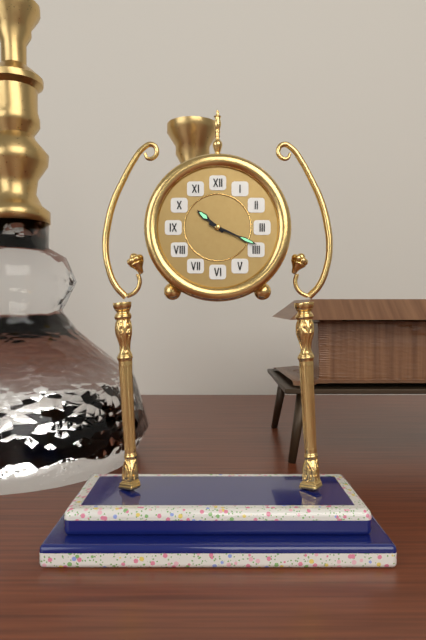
10:19
